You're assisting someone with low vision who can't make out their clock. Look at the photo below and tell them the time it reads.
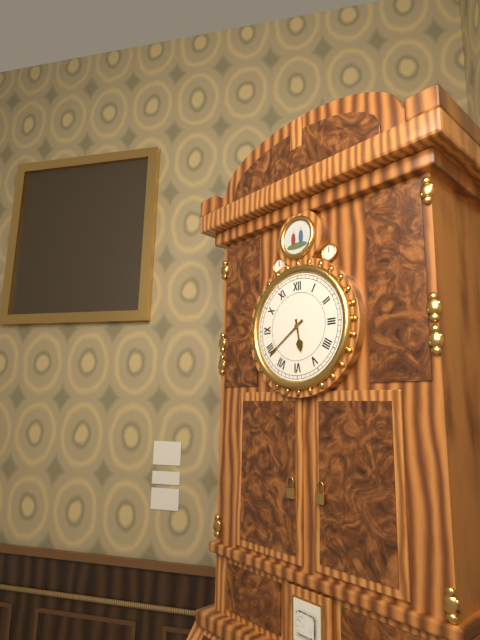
5:39
